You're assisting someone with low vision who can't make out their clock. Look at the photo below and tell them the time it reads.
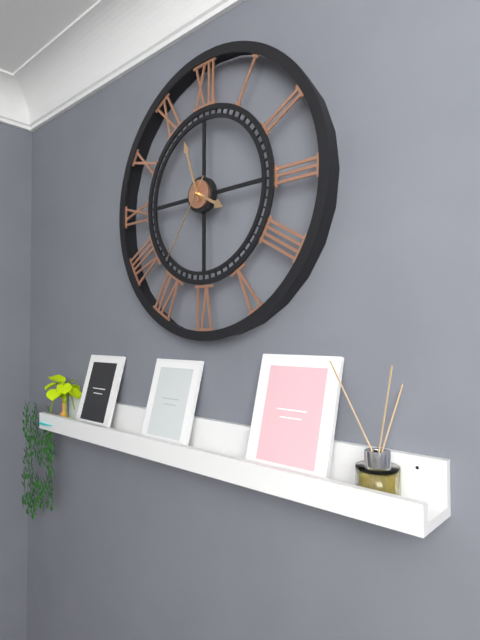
3:57:36
